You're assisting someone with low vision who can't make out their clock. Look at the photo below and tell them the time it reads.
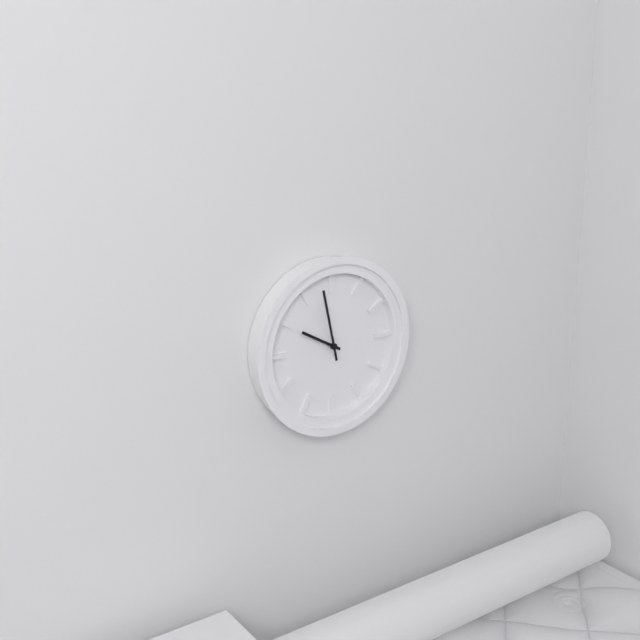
9:58
